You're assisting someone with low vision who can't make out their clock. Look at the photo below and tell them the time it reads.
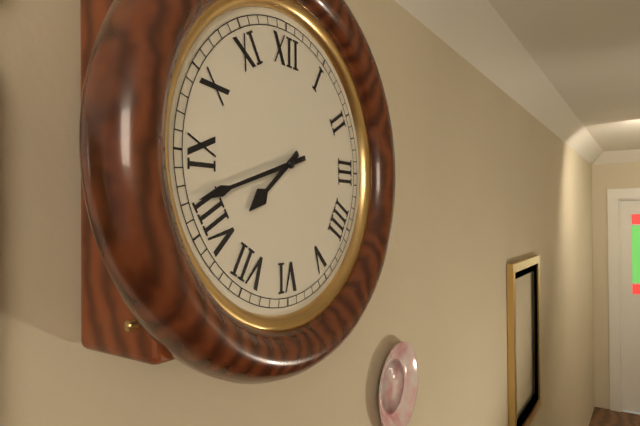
7:42
